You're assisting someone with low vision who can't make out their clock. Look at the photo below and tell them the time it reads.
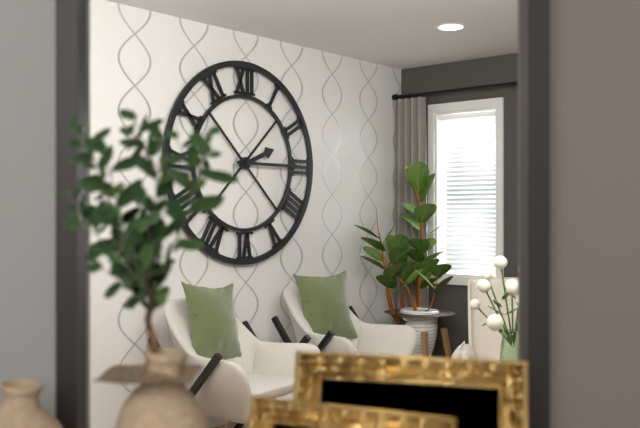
2:15
